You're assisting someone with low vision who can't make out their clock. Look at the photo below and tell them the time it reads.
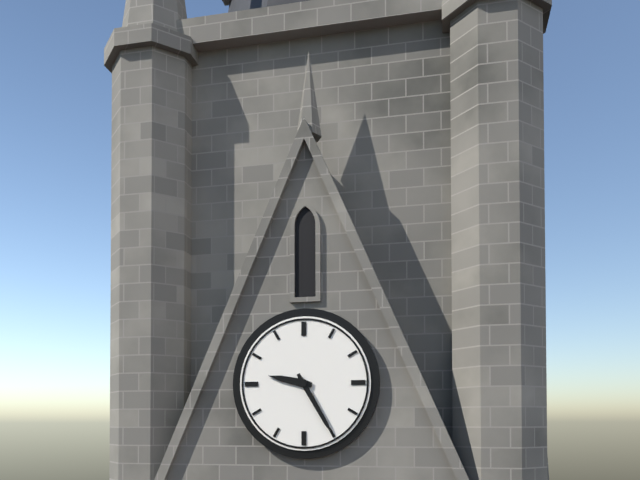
9:25
